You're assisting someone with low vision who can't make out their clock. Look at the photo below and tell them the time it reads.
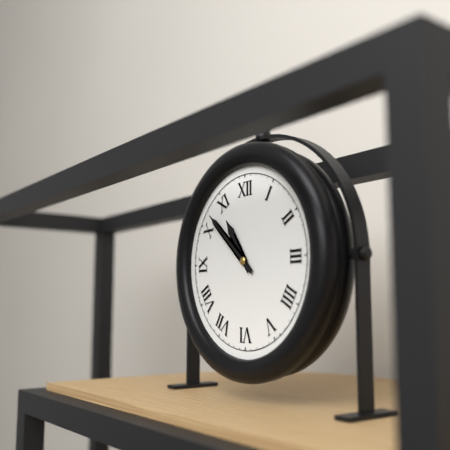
10:52
